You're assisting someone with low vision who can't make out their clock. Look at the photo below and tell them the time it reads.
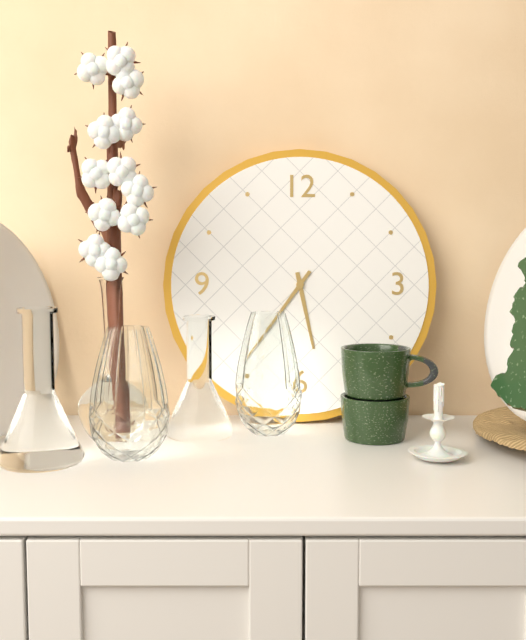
5:36
